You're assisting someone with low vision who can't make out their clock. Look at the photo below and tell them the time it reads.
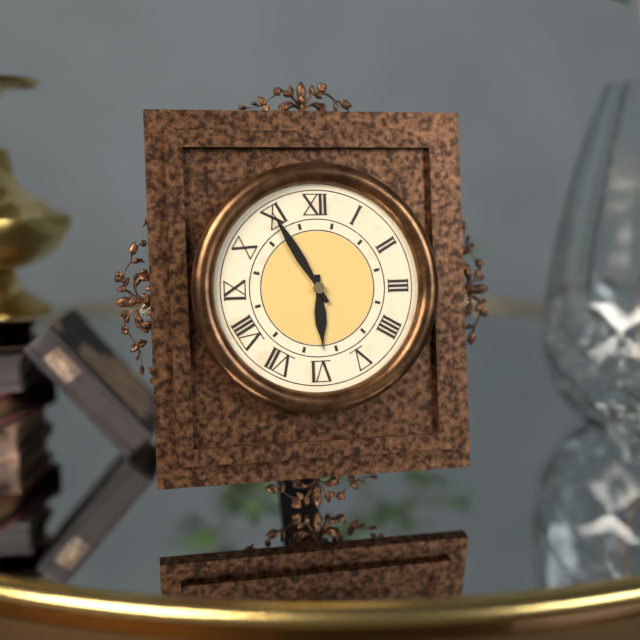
5:55
